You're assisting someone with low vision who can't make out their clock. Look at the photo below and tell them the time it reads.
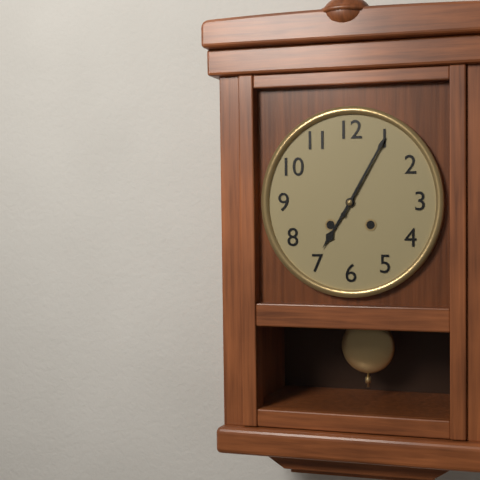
7:05
